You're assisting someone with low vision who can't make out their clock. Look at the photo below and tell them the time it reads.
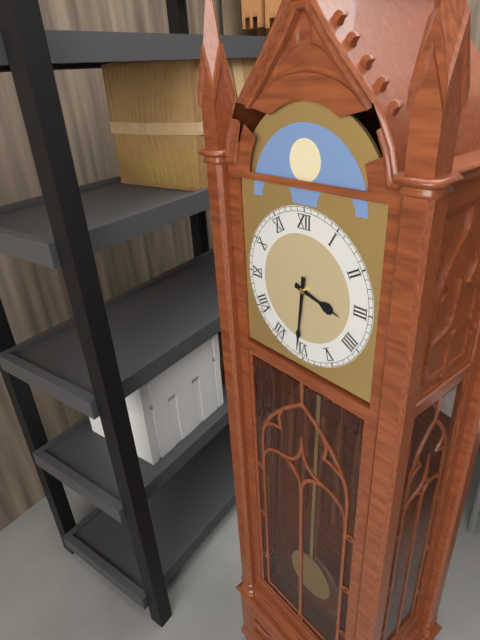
3:31
